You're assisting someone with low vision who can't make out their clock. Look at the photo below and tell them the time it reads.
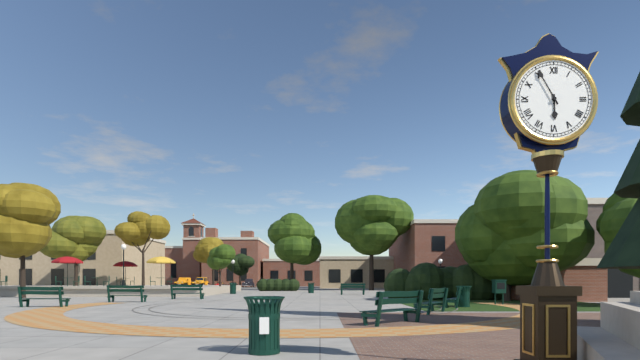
5:55
